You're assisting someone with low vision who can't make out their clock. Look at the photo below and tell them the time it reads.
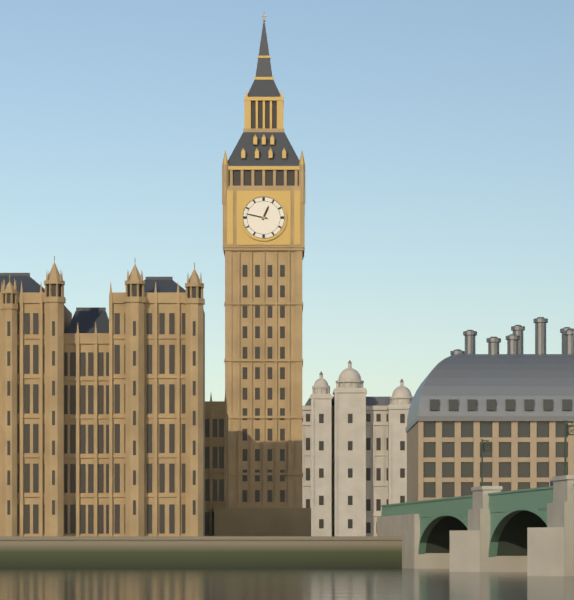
12:47
